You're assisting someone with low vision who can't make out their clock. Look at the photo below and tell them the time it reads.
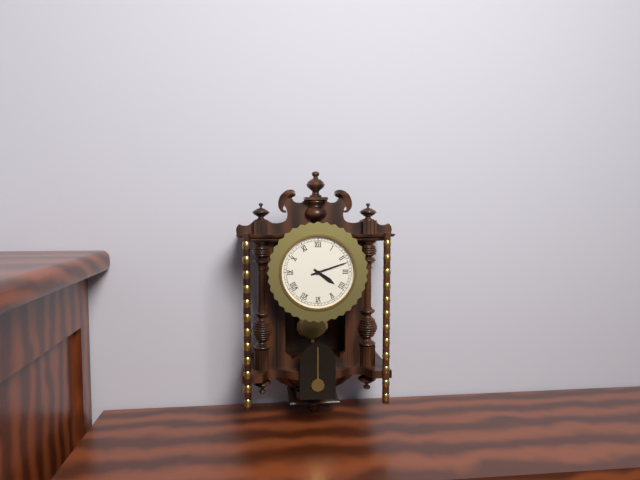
4:12
